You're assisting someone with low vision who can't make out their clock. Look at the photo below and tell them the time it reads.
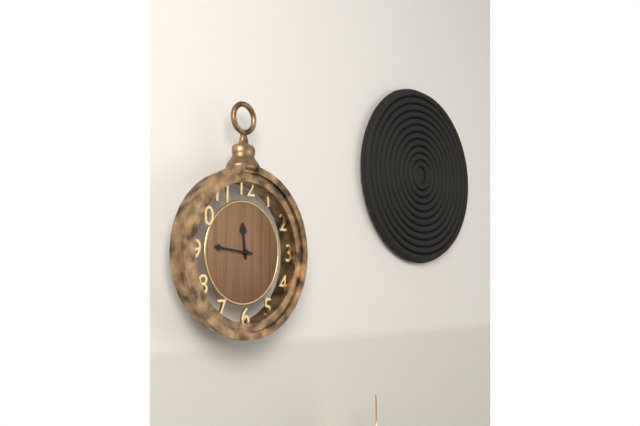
11:46
